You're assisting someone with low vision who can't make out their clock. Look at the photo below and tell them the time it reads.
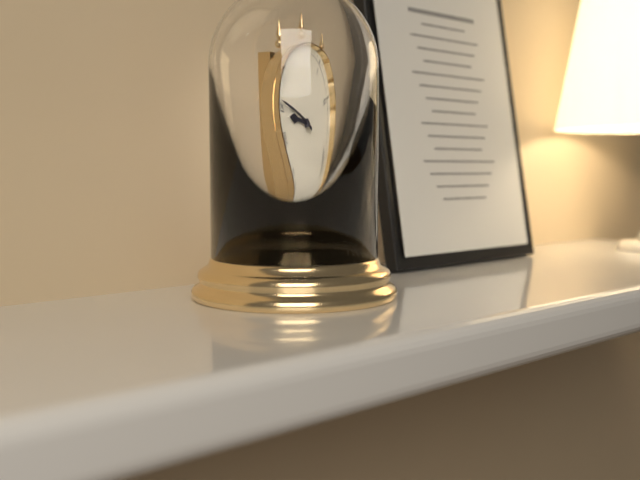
8:46
